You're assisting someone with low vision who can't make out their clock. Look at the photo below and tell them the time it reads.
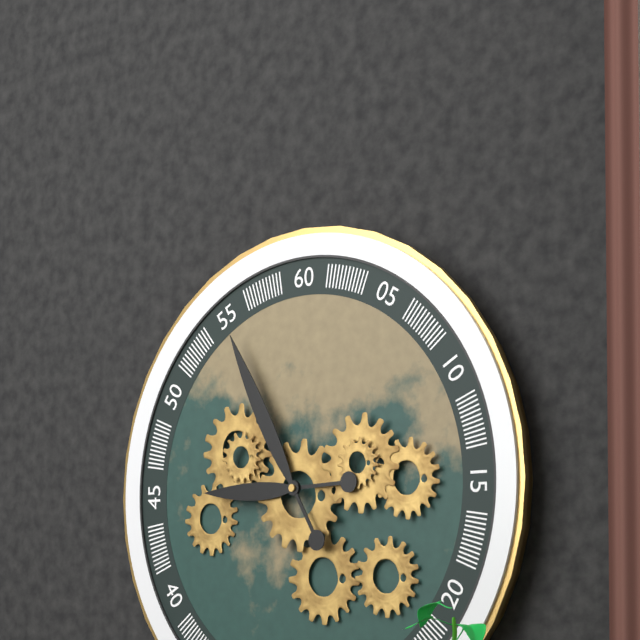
8:55
